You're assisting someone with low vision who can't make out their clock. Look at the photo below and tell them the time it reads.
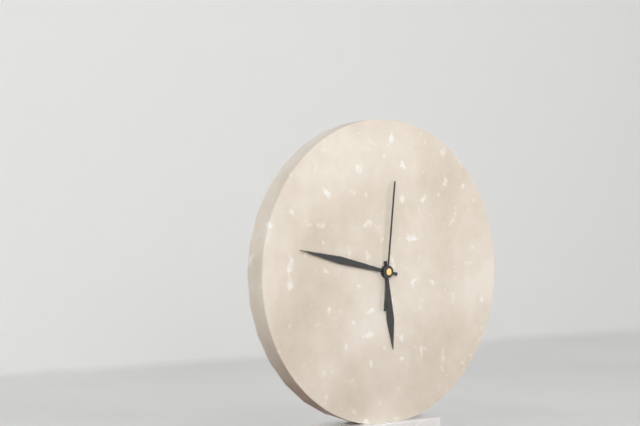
5:47:01
